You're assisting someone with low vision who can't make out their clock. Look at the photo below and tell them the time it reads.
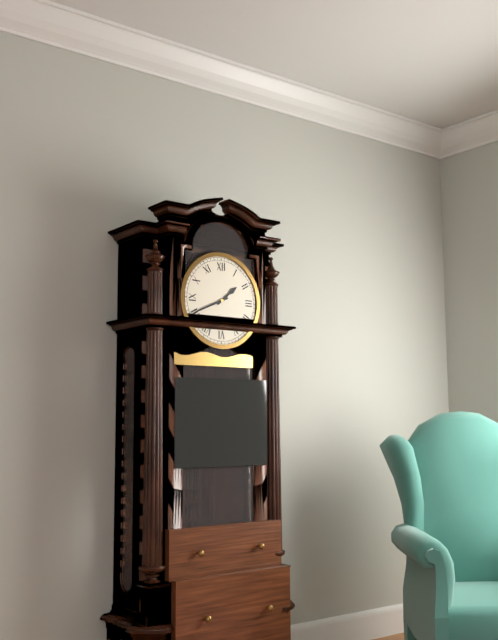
1:41
